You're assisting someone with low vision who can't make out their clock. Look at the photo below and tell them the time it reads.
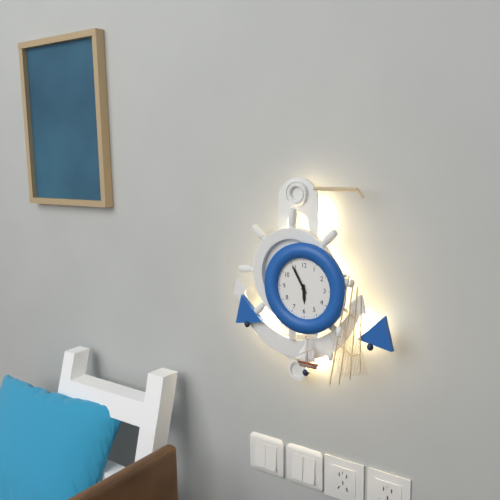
5:55
